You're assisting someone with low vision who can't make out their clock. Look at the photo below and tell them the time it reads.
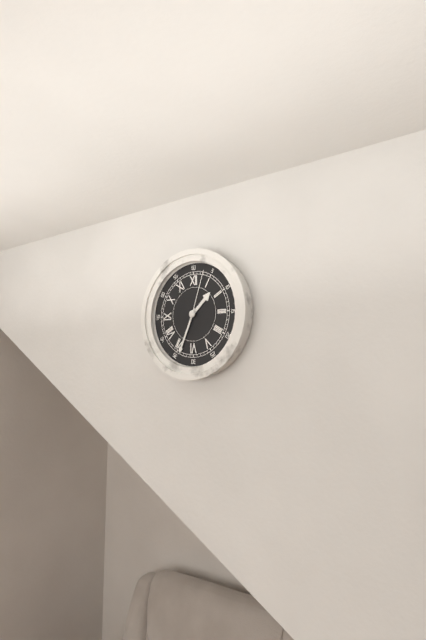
1:34:03
